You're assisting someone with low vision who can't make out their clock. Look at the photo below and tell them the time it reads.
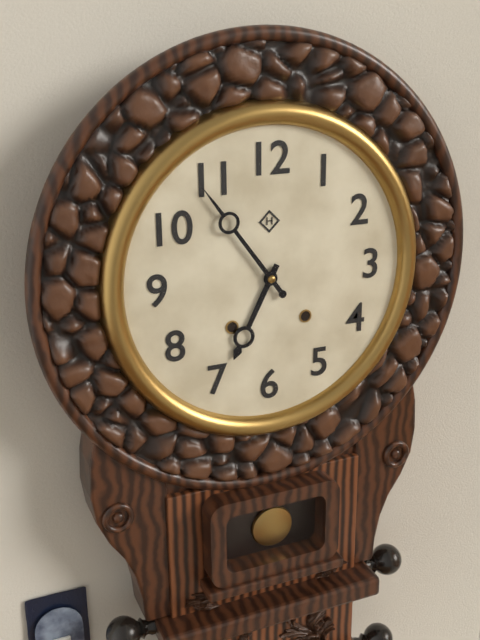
6:54
